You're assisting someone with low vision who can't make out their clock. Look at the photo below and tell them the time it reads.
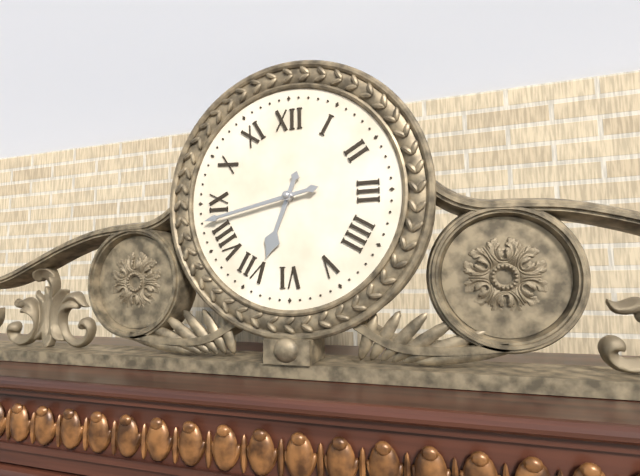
6:43
